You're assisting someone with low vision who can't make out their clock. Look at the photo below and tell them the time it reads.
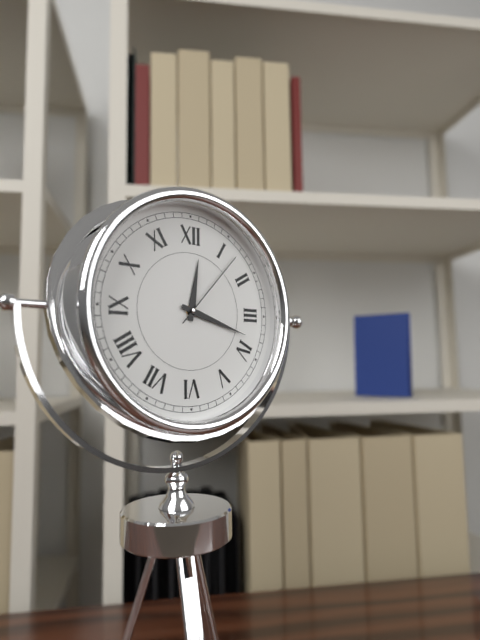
12:18:07
